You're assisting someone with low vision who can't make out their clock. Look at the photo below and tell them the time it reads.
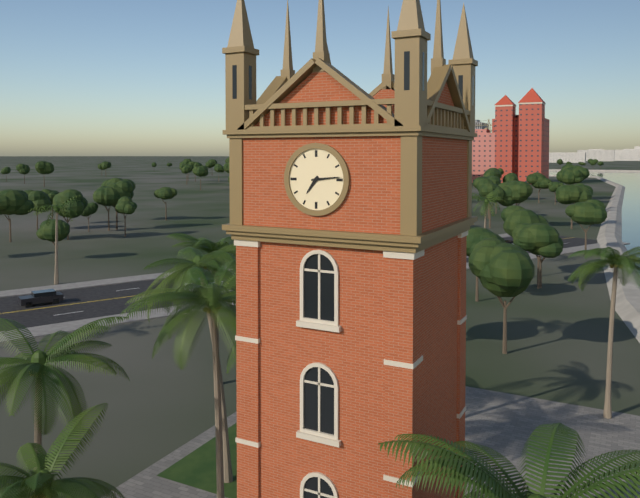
7:14
